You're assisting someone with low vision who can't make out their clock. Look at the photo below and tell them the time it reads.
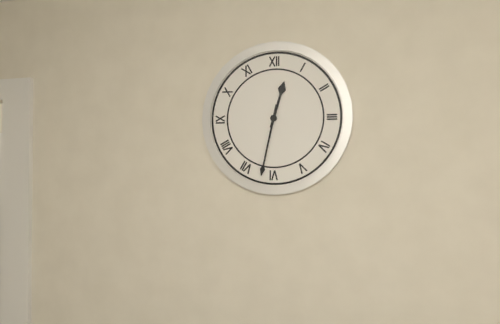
12:32
